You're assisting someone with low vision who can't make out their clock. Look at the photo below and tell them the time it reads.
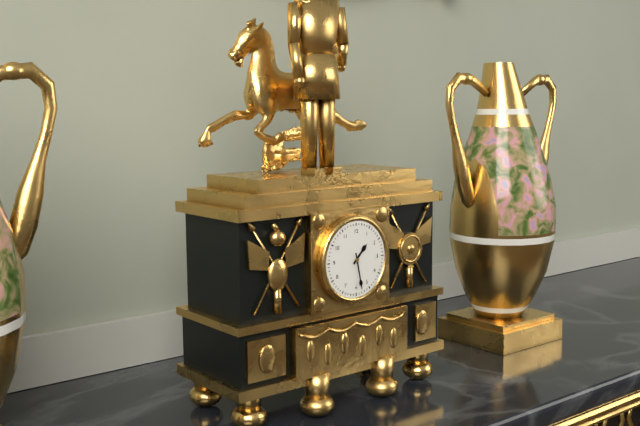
1:28
